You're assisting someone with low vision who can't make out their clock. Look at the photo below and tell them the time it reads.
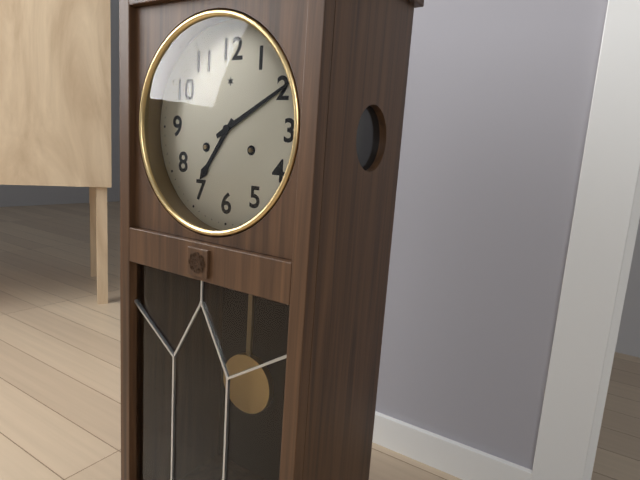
7:10
